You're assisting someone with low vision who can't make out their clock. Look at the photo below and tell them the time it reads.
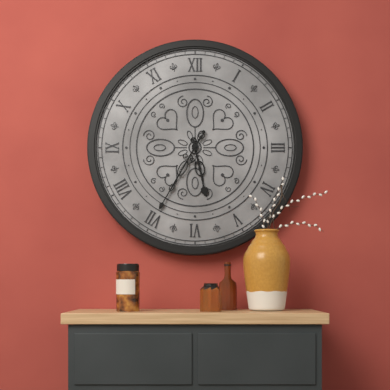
5:35
